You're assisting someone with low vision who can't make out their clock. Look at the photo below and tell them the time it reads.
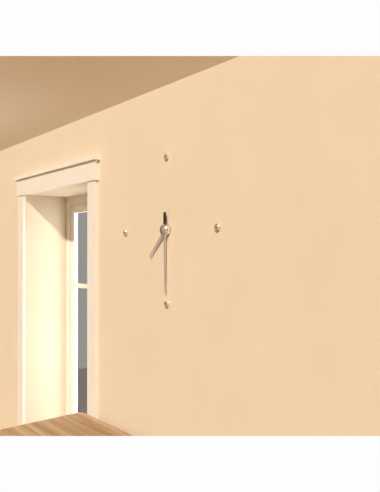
7:30
